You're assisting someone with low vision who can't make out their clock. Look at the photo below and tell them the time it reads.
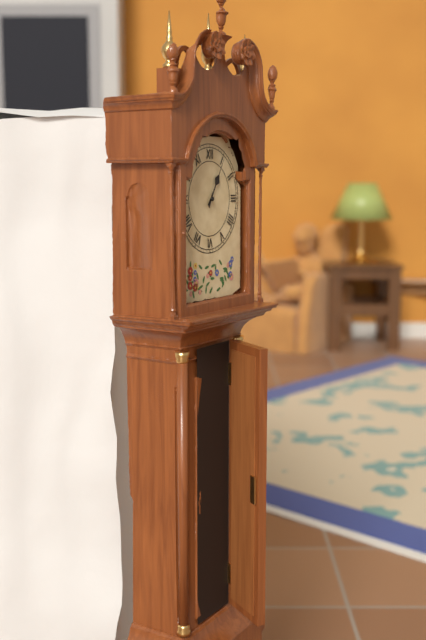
1:05
